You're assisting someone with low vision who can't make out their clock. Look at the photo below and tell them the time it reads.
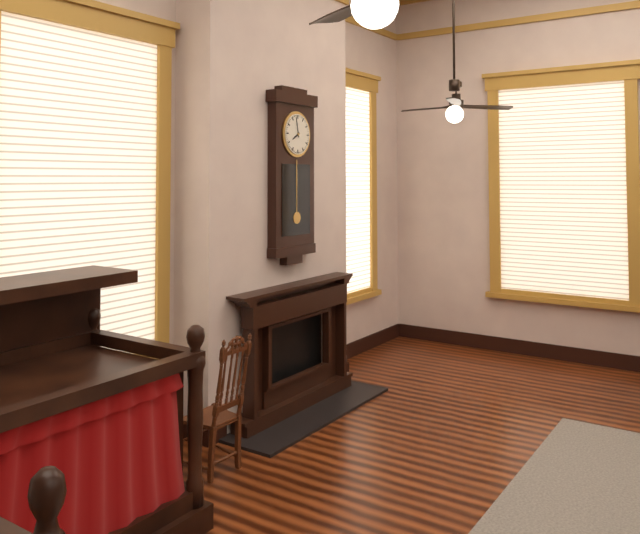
7:58
